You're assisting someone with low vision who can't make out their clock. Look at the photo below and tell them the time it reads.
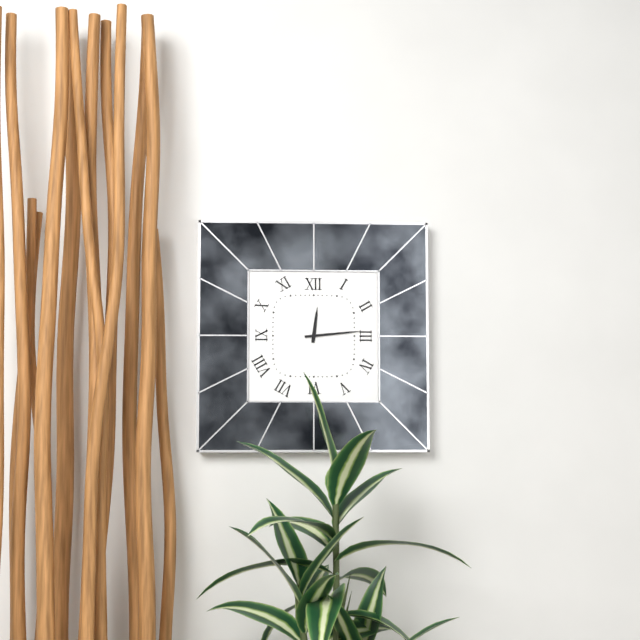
12:14
